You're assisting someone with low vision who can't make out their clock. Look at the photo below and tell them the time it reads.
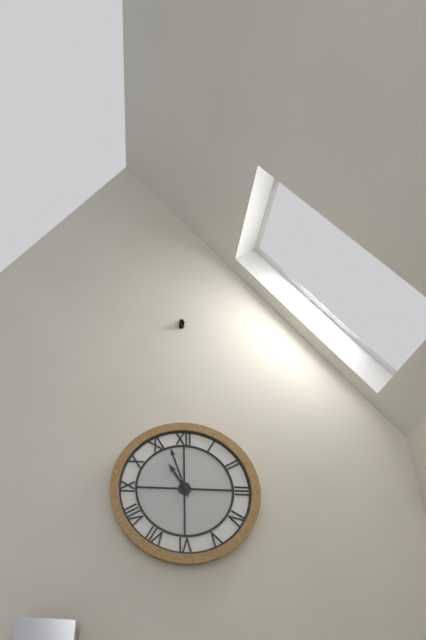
10:57
